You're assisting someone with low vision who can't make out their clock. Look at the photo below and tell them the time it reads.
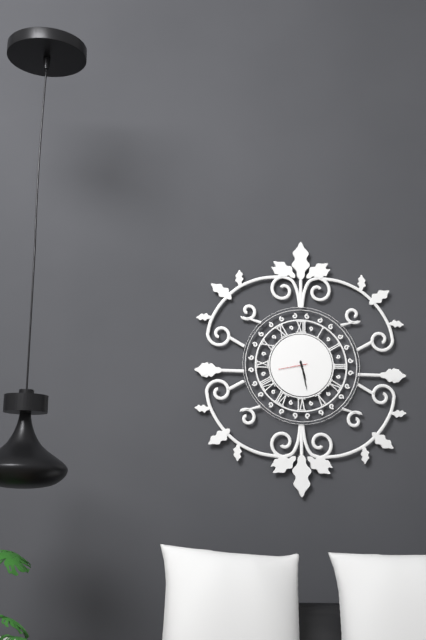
5:28
